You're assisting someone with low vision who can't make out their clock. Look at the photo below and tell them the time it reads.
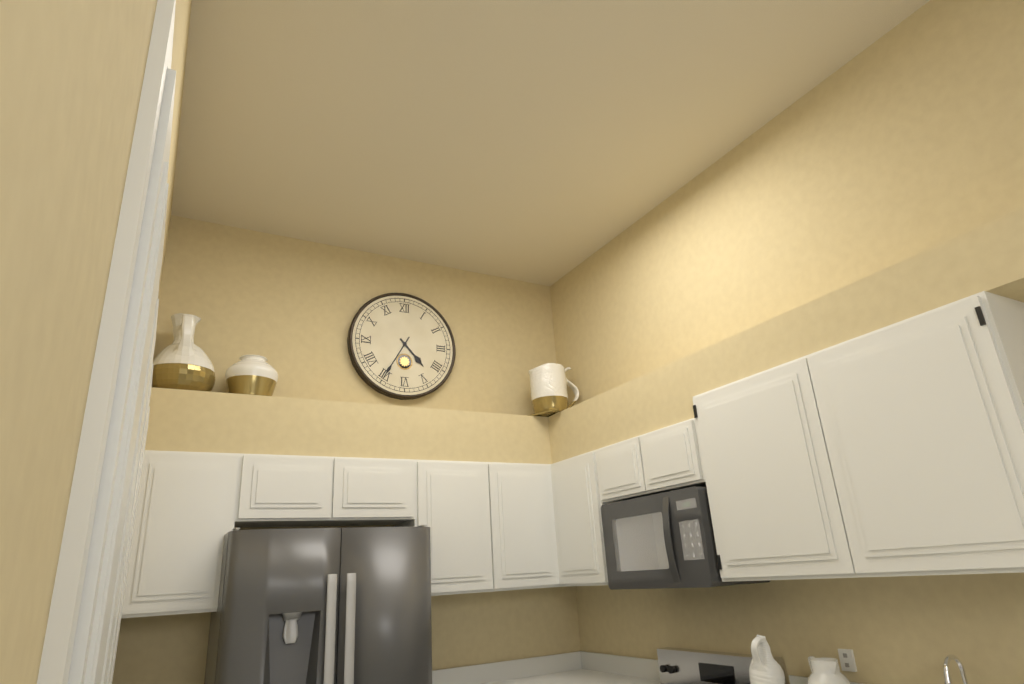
4:35
